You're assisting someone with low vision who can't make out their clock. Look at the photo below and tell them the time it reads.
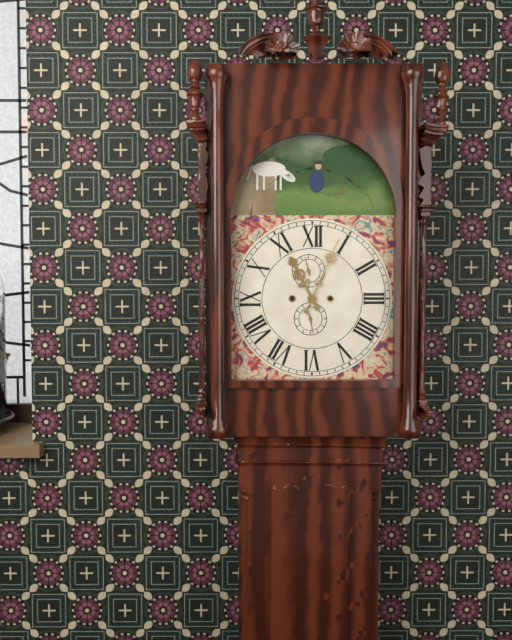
11:04
